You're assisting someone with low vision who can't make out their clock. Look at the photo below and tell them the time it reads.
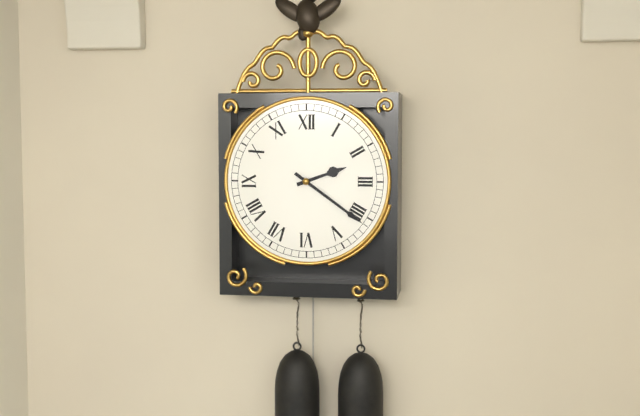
2:21
